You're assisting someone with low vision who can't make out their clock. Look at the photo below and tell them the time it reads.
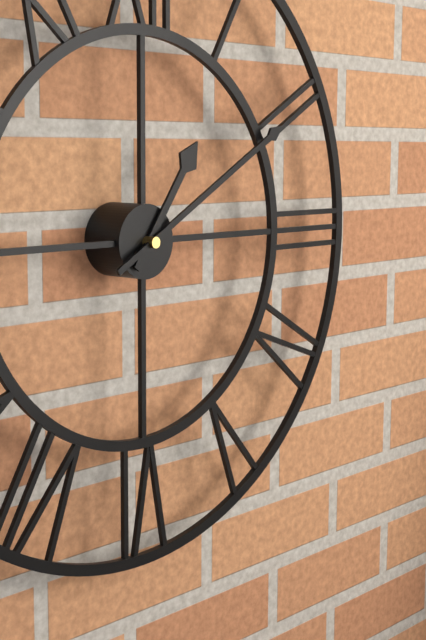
1:10
